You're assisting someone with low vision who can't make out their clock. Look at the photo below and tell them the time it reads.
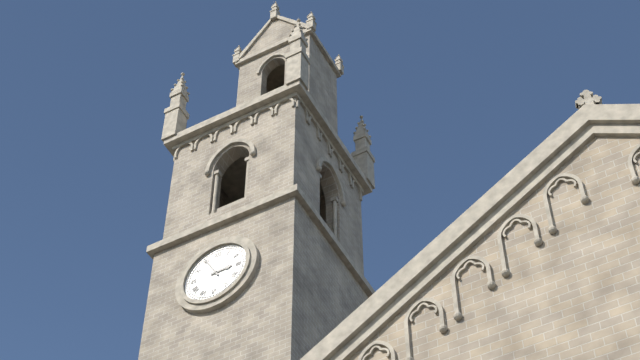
2:55
